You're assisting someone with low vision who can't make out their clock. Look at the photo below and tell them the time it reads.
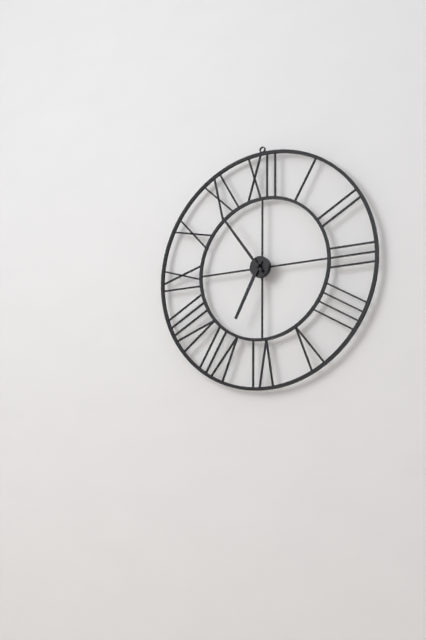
6:54
